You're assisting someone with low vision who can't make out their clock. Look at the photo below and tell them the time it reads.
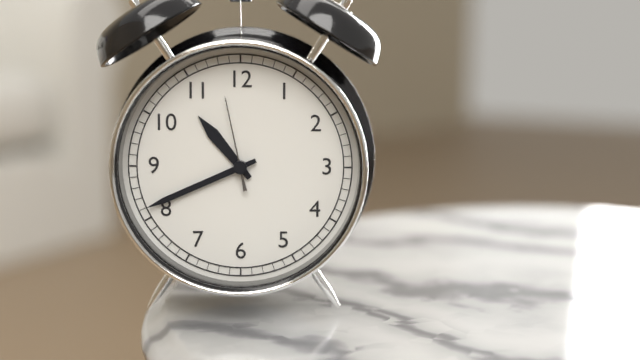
10:41:58
